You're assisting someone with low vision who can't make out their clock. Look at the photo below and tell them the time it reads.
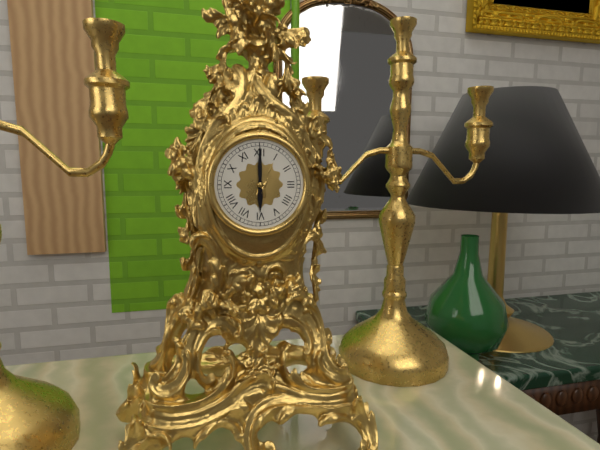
6:00
